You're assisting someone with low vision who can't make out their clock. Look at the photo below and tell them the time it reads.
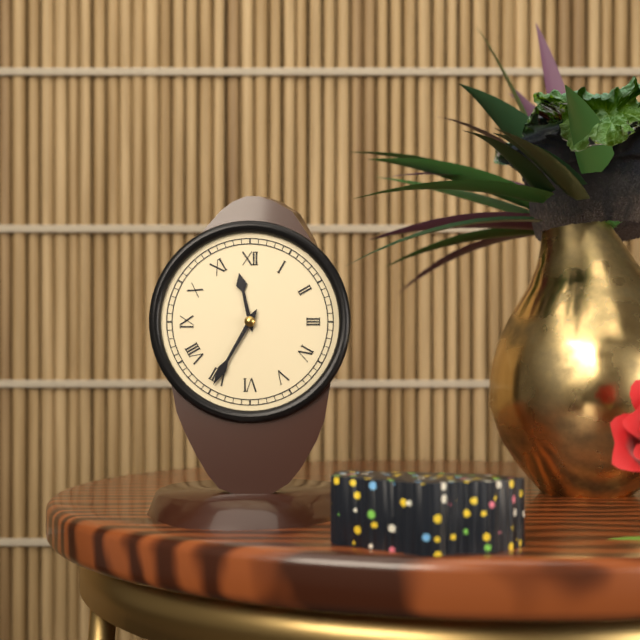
11:35
